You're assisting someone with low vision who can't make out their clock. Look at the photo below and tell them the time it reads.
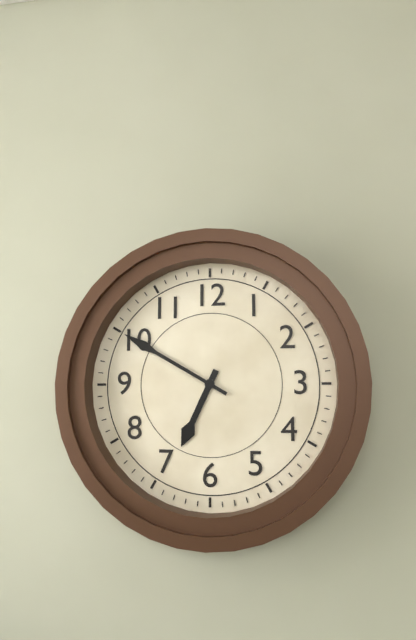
6:50
